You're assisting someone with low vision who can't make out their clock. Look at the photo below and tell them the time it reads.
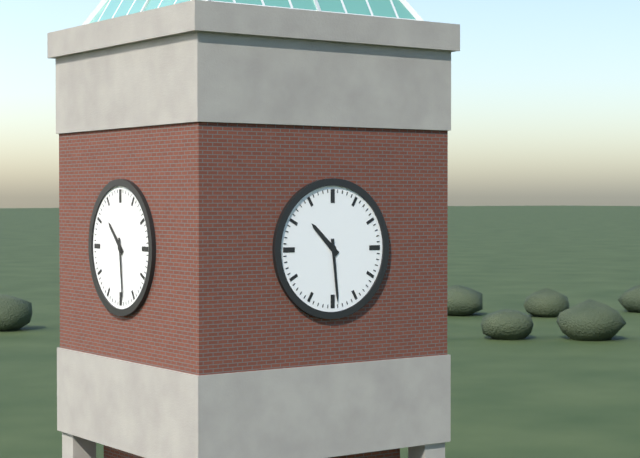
10:29
